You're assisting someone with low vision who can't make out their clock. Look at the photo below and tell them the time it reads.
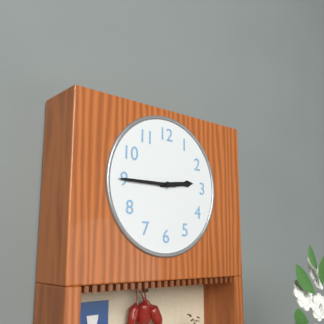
2:45
